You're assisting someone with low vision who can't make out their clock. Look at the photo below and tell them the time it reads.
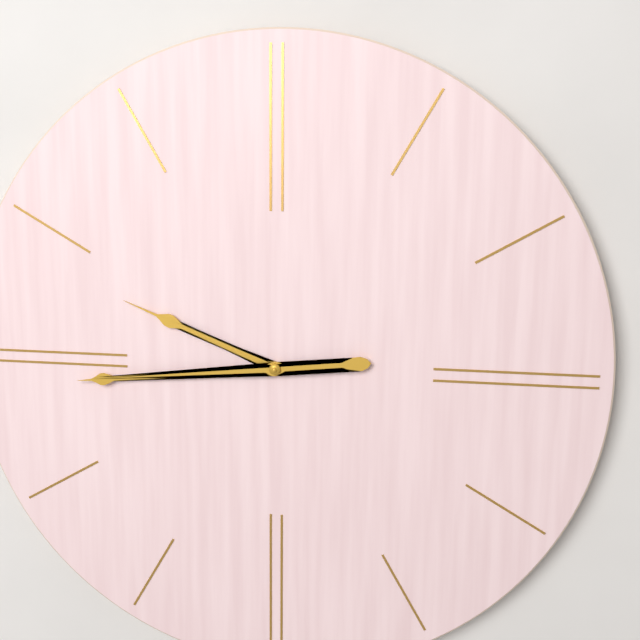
9:44
